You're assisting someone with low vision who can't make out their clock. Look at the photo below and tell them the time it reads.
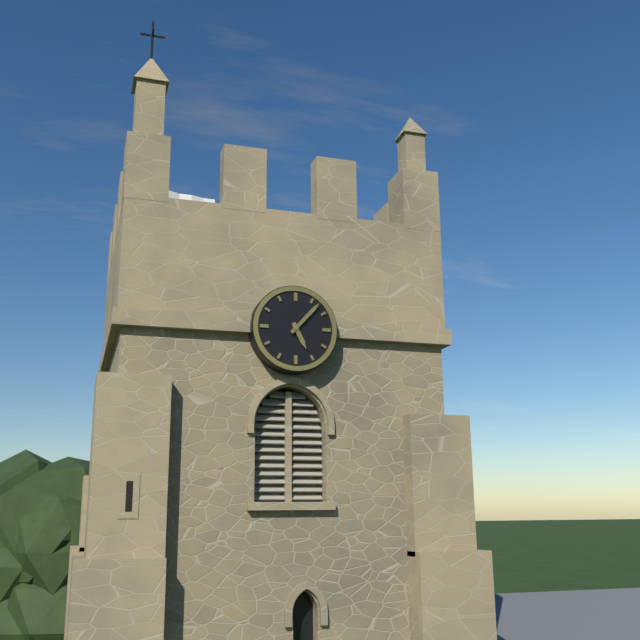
5:07
